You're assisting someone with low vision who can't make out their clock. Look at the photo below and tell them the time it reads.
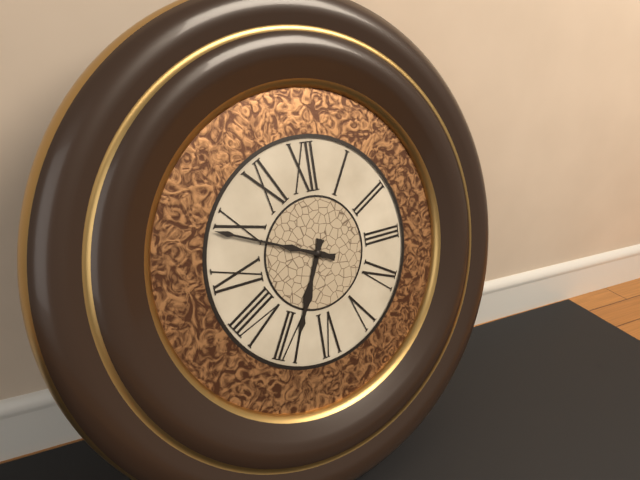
6:49
